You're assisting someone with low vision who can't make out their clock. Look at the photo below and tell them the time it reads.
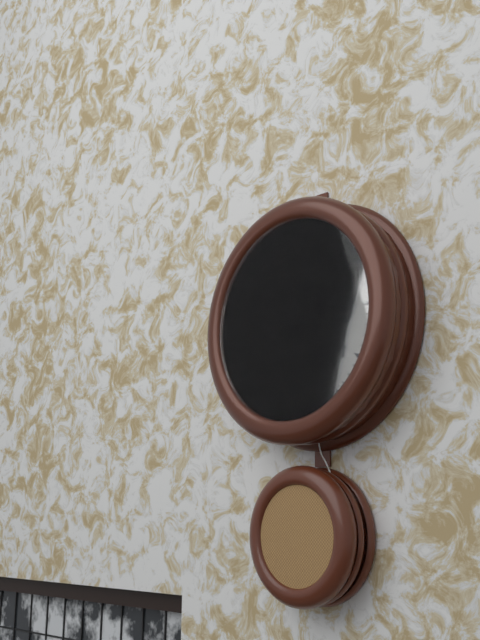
1:15
